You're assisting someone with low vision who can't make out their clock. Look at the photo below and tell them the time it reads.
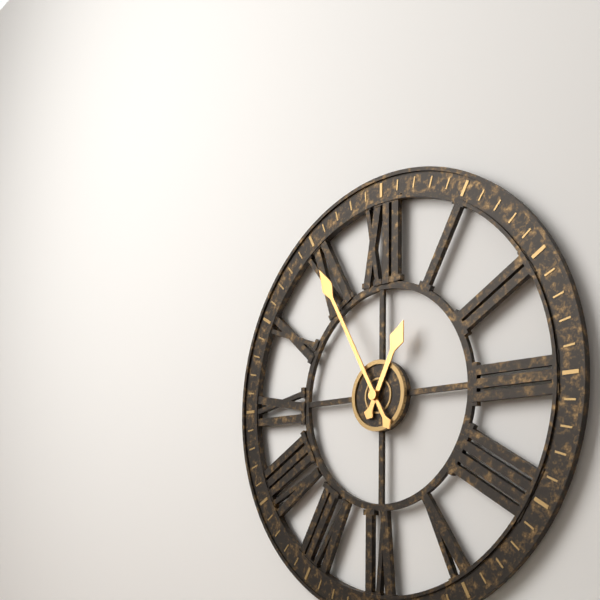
12:55
